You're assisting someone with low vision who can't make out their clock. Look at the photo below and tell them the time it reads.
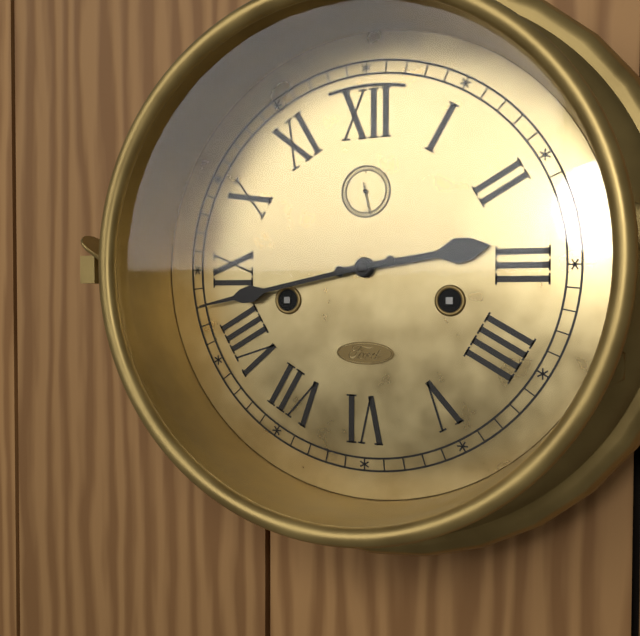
2:43
